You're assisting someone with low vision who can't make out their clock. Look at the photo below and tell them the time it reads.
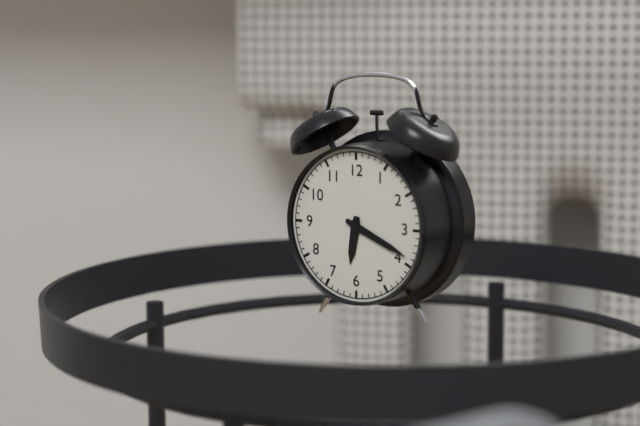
6:19
